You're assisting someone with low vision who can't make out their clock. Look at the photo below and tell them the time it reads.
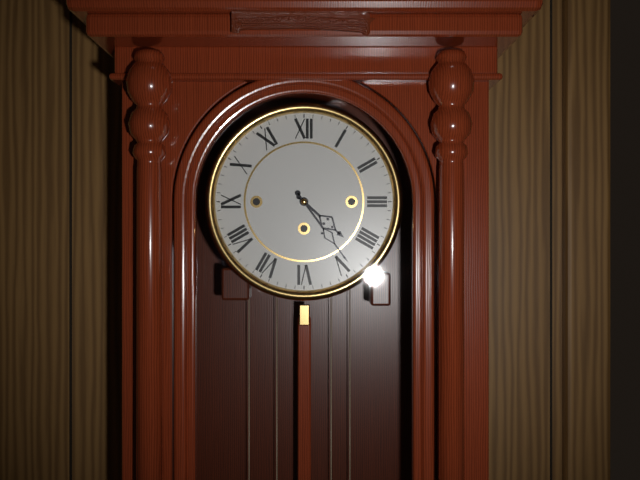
4:24
